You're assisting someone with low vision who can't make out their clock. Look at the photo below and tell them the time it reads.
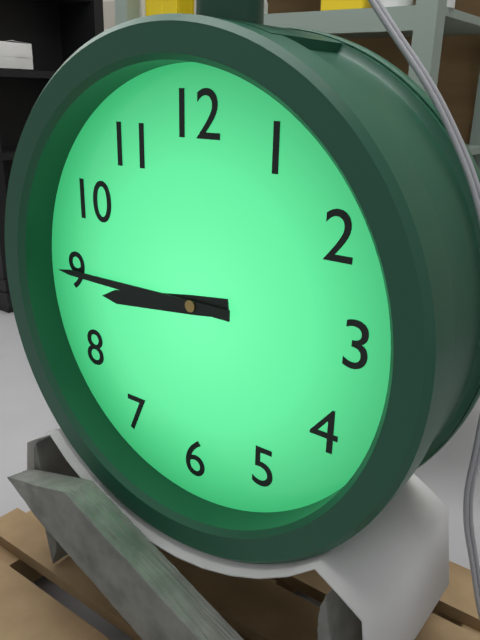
8:45
